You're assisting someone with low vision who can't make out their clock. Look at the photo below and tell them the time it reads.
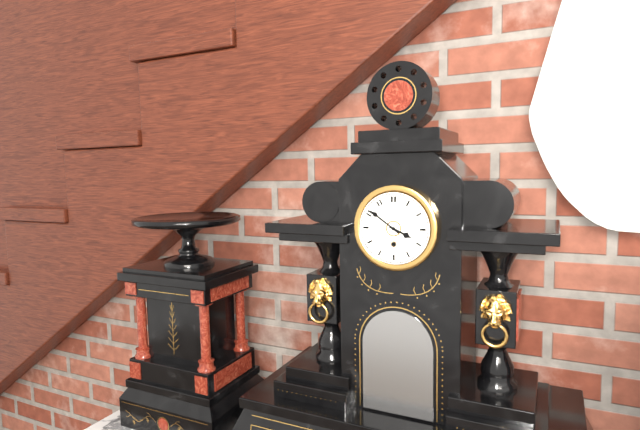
3:51
